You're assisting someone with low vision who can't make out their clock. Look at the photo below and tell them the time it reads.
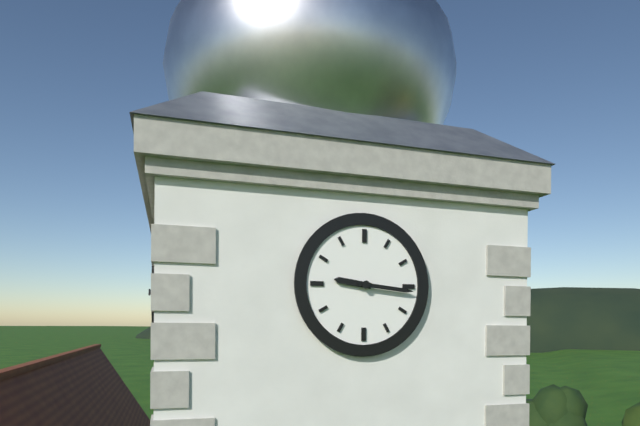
9:16
